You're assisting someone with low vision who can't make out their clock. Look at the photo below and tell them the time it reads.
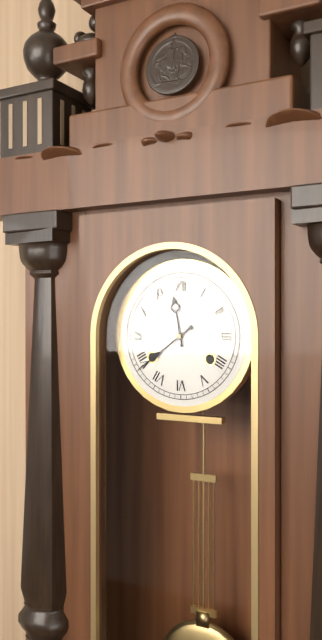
11:39
